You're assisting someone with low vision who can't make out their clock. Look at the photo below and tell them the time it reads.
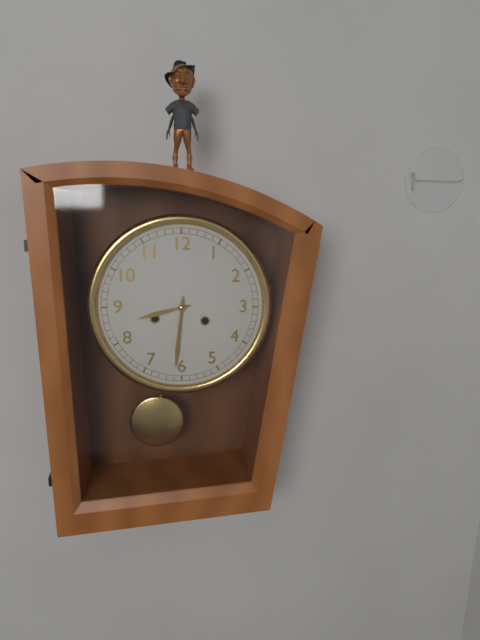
8:31
